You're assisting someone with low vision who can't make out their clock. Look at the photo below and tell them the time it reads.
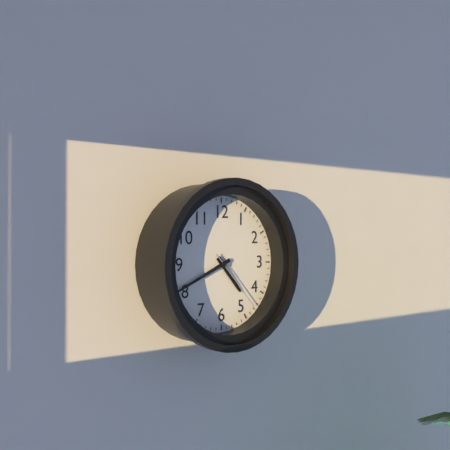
4:41:23
